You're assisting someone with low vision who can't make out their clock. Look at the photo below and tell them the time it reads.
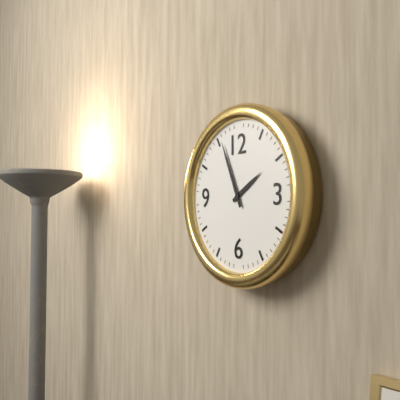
1:56
